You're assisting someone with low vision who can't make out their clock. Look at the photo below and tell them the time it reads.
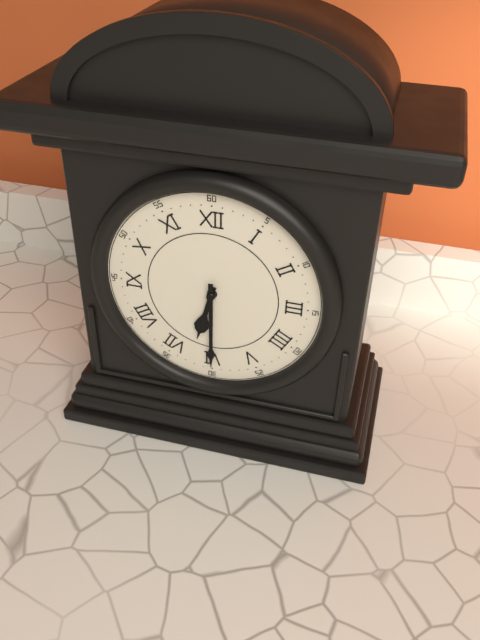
6:30
